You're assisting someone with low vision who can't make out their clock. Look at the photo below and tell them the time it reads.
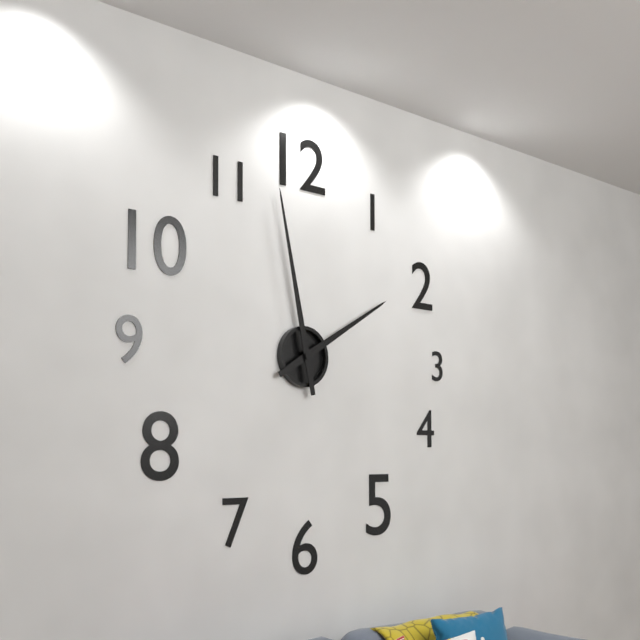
1:58
